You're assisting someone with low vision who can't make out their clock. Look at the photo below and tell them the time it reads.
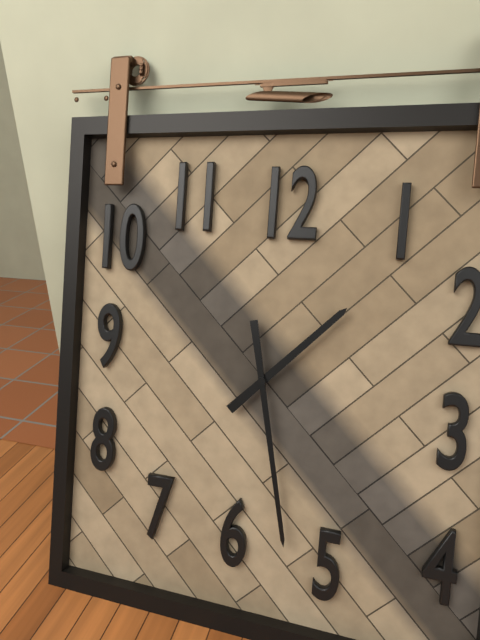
1:28
